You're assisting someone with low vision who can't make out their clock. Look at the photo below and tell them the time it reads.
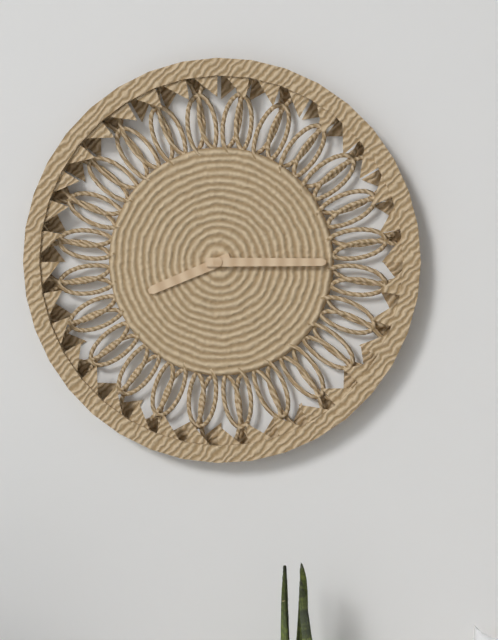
8:15
